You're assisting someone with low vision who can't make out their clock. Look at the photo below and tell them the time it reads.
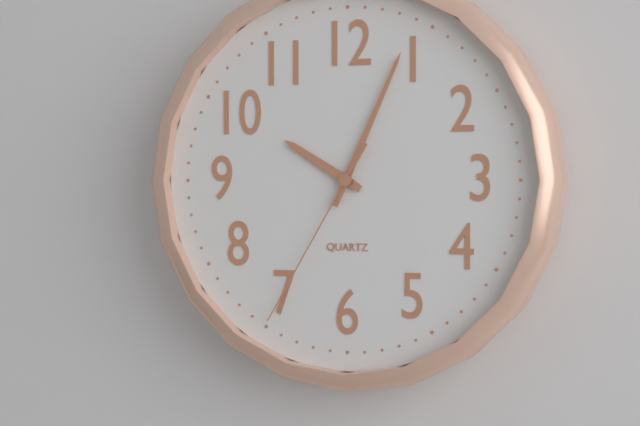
10:04:35
